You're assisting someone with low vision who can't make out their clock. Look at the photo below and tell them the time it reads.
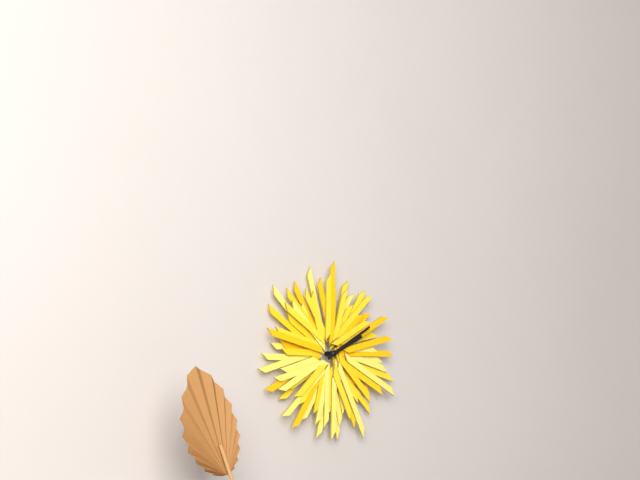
2:10
